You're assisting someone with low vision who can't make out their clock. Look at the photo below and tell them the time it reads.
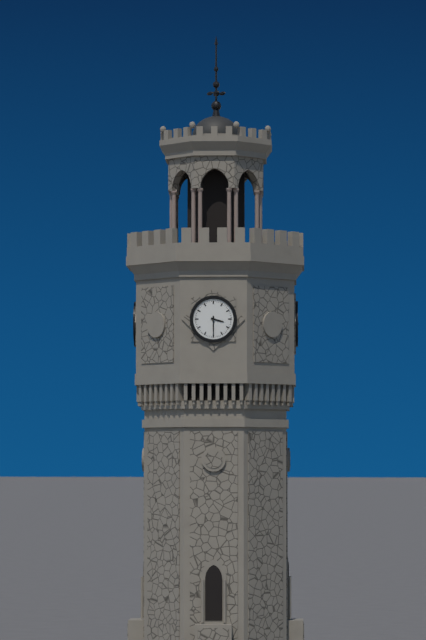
3:30
